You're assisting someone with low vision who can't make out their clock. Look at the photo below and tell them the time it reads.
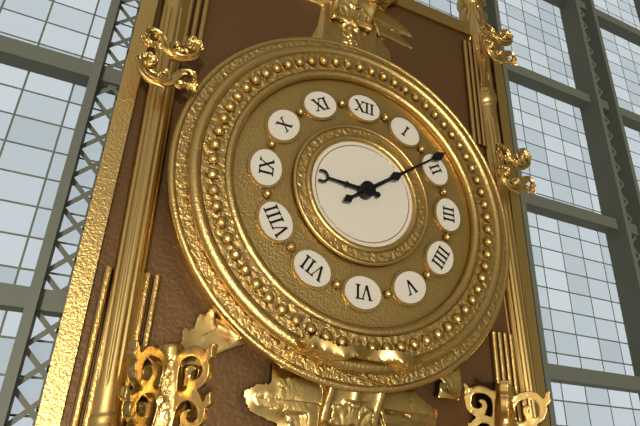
9:09
